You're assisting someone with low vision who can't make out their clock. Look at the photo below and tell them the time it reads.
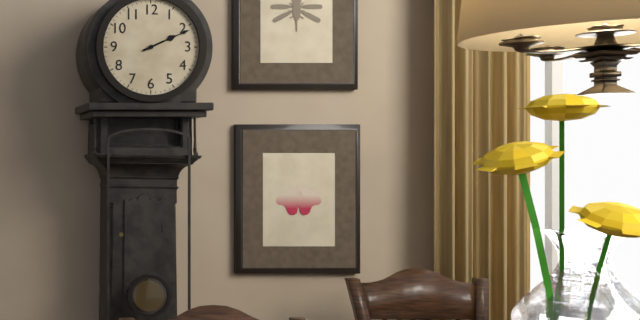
2:11
